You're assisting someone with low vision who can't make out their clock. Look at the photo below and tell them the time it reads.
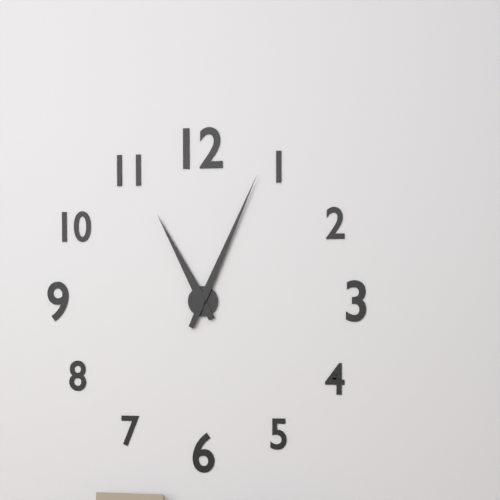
11:04
